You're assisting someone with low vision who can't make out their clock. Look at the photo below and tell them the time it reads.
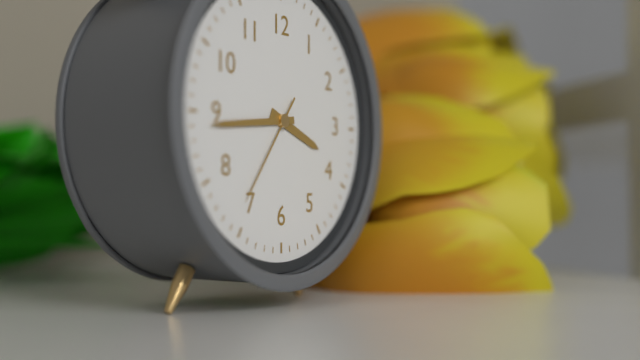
3:44:36
